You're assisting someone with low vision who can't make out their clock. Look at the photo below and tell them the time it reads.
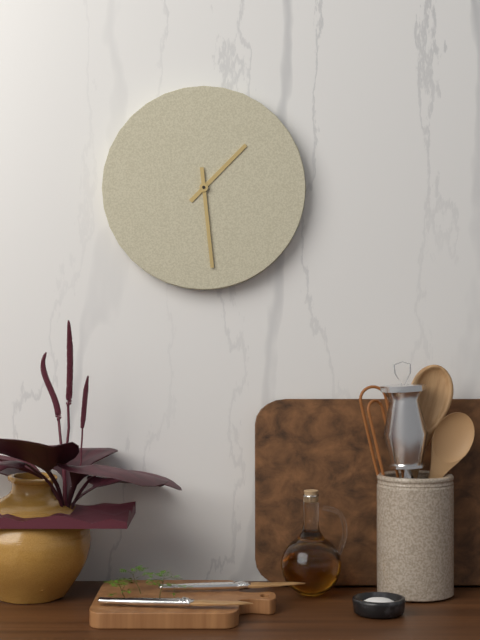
1:29
